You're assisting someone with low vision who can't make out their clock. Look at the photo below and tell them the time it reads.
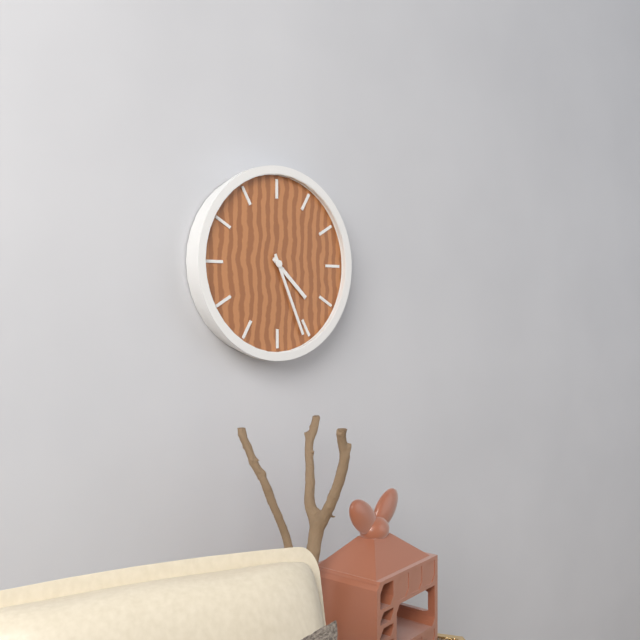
4:26
